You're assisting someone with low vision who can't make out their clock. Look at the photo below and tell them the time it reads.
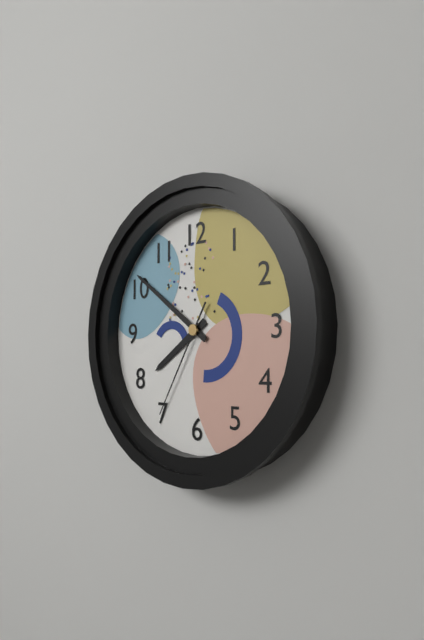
7:51:35
